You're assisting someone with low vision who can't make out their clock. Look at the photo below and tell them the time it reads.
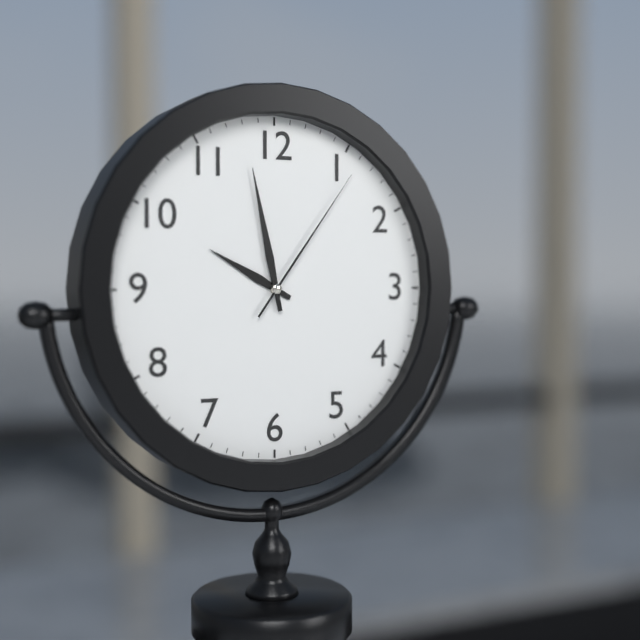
9:58:06
